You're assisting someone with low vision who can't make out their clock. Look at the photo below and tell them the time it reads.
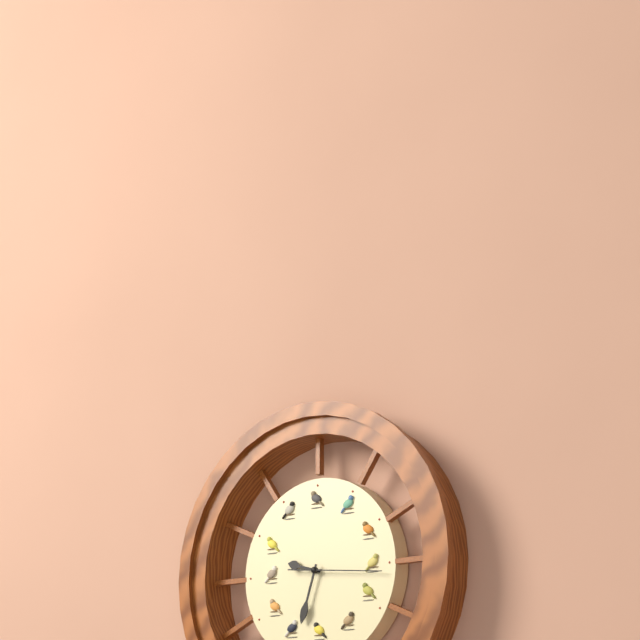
9:33:16
